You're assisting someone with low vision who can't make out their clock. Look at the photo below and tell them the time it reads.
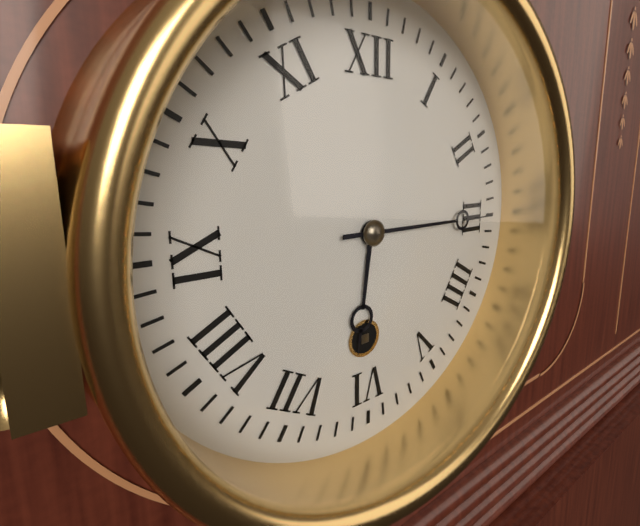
6:15
